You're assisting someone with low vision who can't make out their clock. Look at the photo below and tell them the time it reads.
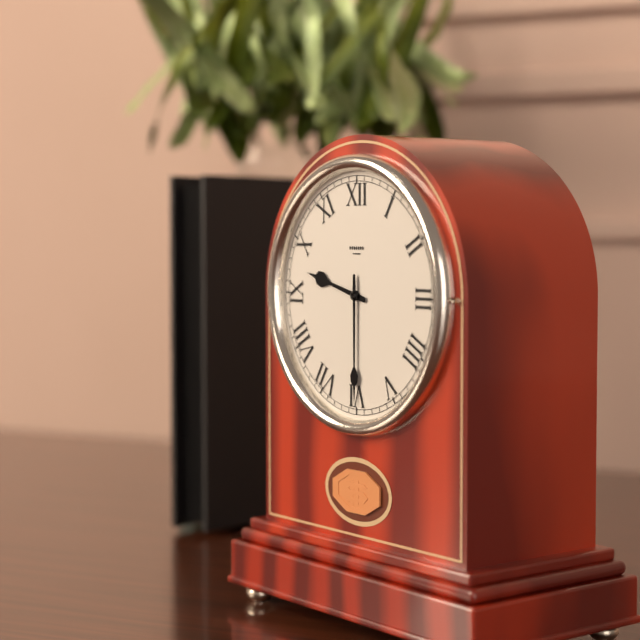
9:30
